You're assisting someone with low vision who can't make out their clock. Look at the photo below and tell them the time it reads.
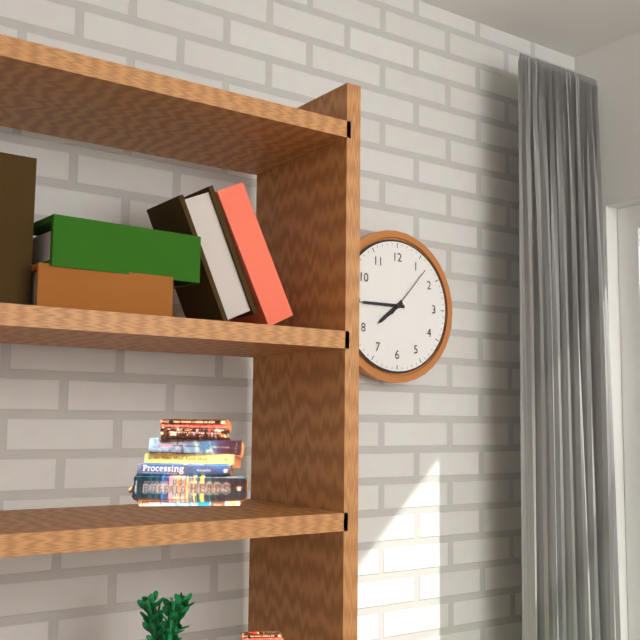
7:45:07
